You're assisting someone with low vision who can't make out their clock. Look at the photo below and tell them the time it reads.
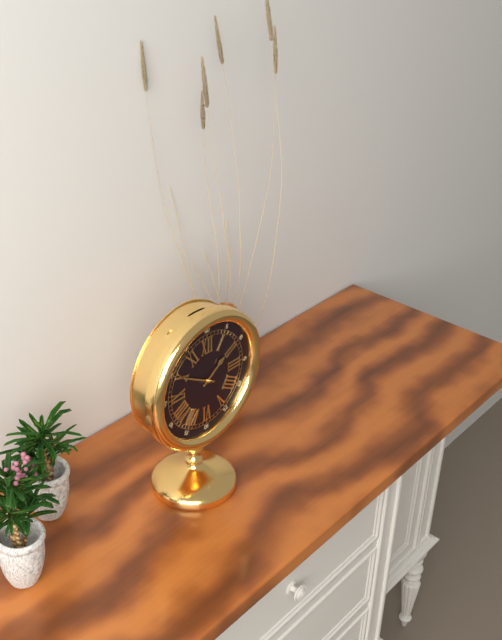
1:50
